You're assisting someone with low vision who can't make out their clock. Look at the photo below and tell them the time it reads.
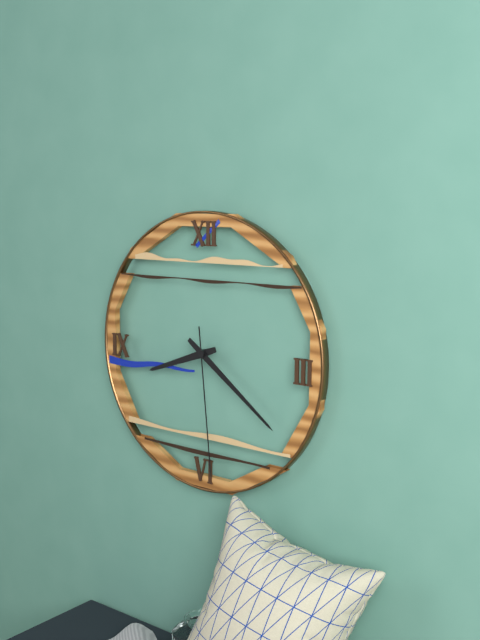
8:21:29
